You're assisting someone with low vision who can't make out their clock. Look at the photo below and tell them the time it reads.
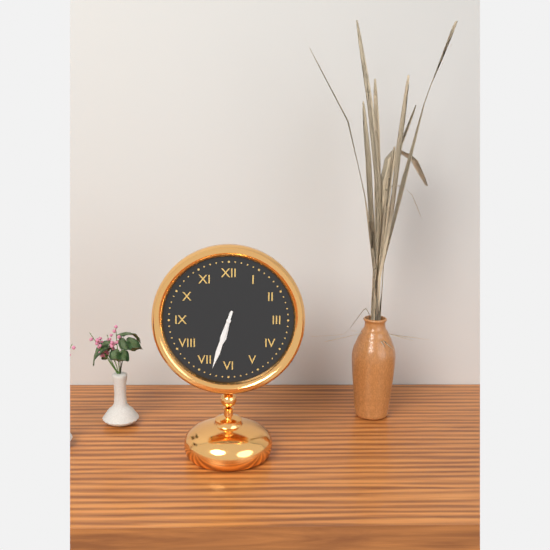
6:33
